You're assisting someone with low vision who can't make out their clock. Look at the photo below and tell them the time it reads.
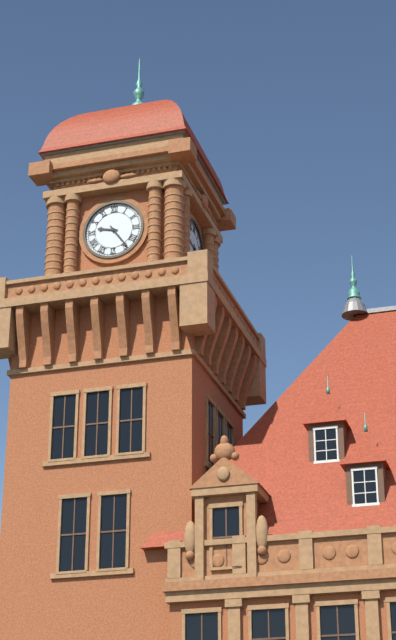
9:24
